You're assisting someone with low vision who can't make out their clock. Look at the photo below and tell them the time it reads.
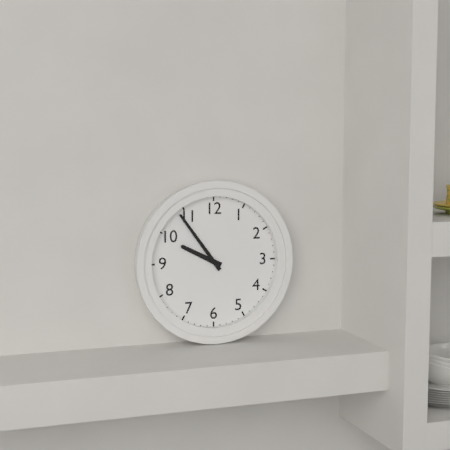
9:54
